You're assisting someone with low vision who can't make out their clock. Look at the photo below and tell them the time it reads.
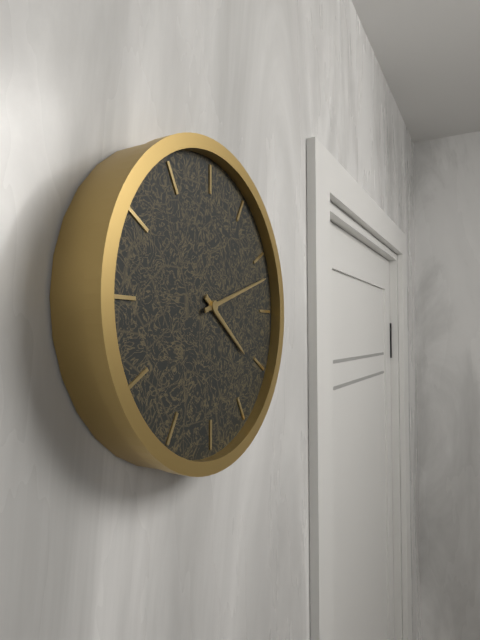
4:12
